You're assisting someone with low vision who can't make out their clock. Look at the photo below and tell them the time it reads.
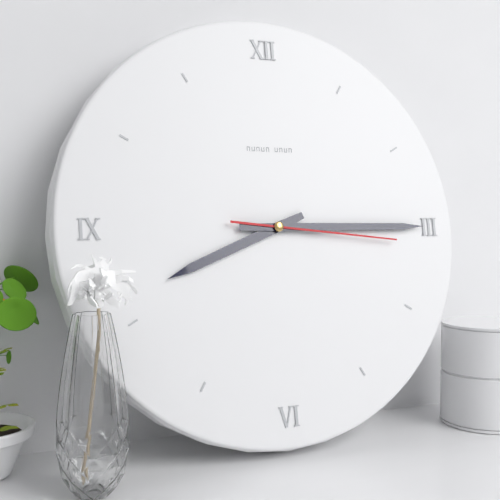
8:15:16
